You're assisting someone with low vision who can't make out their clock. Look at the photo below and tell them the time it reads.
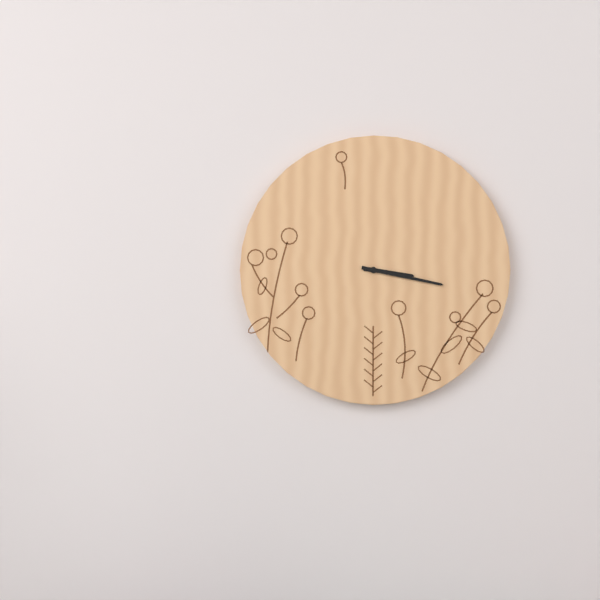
3:17
